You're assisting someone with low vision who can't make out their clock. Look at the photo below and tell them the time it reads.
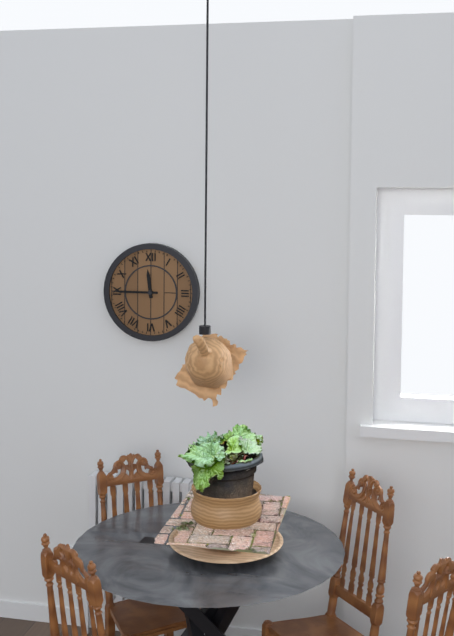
11:45
